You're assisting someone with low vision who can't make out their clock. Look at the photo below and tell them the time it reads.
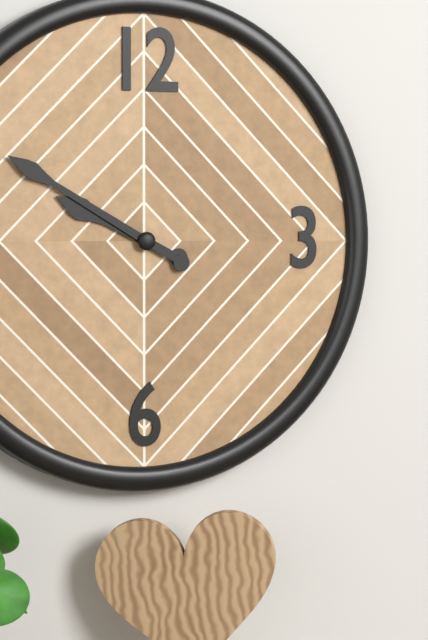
9:50
